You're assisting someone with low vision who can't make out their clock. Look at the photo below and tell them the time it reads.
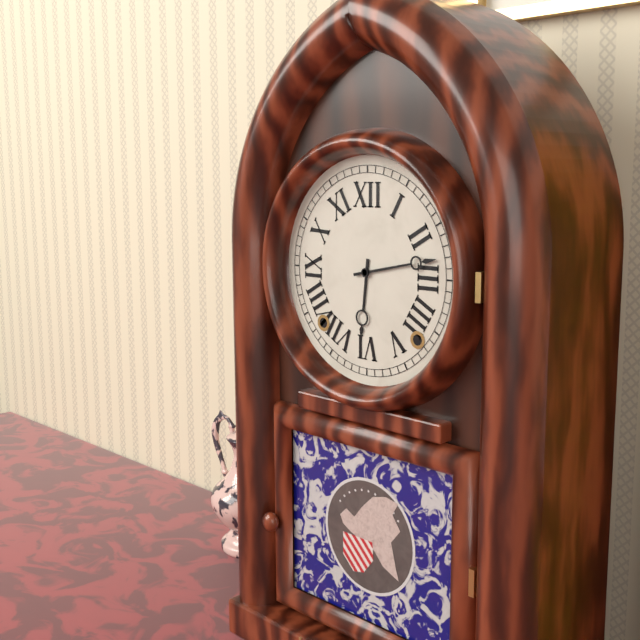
6:13
